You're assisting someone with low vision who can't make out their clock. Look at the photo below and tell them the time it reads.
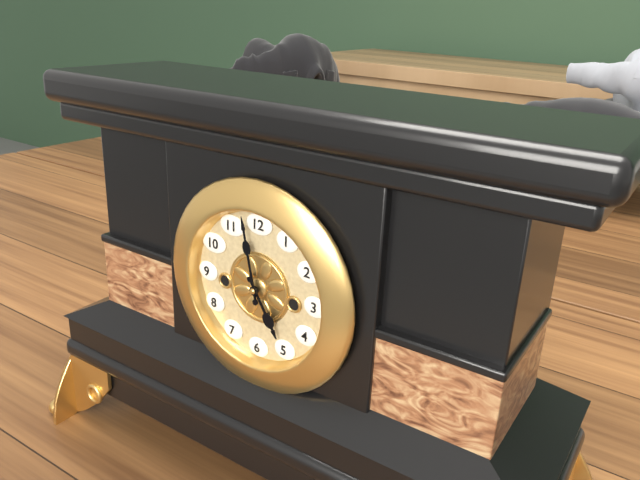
4:58
